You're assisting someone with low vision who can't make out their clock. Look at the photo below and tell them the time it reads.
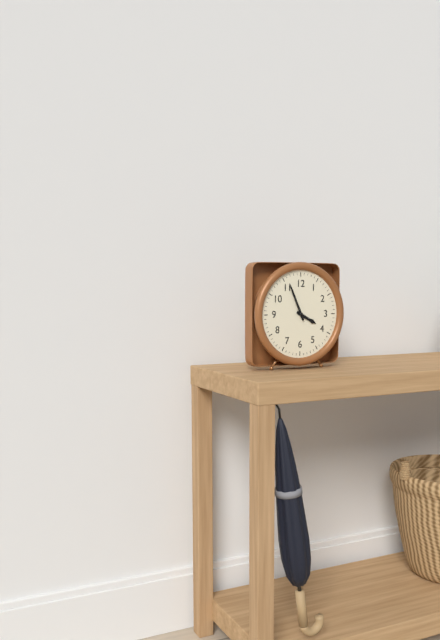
3:56
